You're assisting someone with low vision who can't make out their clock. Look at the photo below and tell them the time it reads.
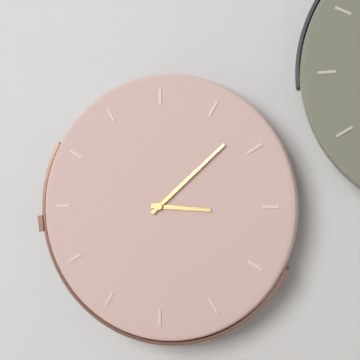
3:08
